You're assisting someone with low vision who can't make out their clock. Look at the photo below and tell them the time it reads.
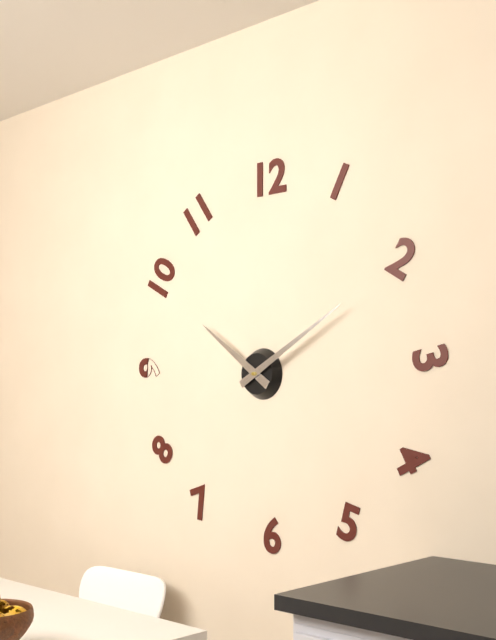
10:10
